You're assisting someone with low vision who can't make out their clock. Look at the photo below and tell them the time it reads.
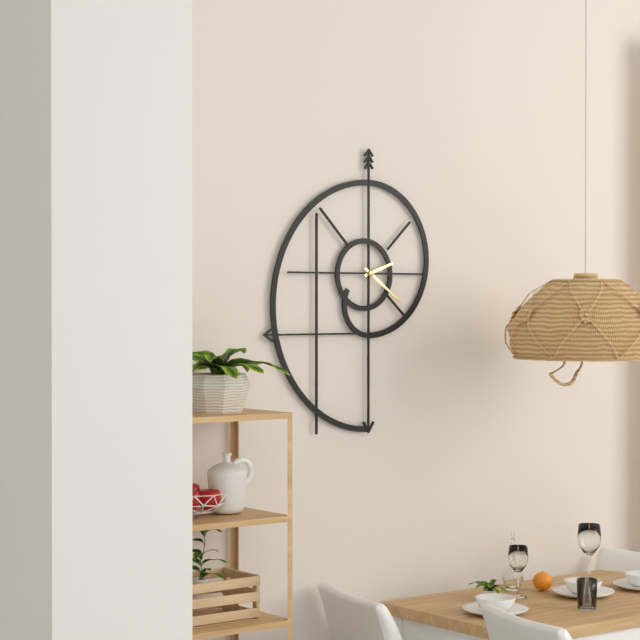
2:21
